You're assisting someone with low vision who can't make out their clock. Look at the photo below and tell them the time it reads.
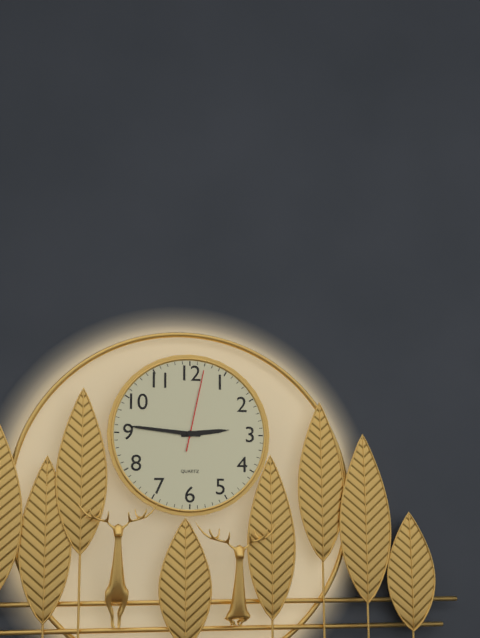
2:46:02
